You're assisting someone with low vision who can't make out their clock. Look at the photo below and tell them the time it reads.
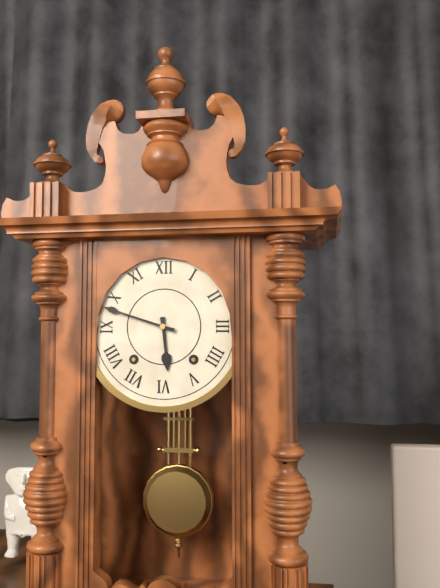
5:48
